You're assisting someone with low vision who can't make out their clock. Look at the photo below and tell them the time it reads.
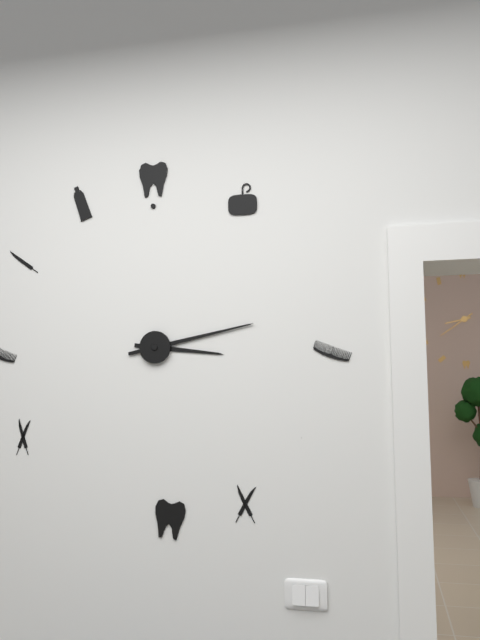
3:13
